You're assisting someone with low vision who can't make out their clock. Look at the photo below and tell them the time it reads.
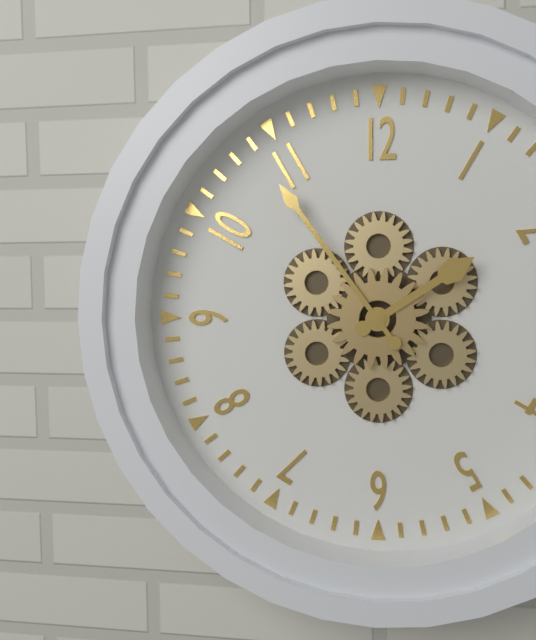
1:54
